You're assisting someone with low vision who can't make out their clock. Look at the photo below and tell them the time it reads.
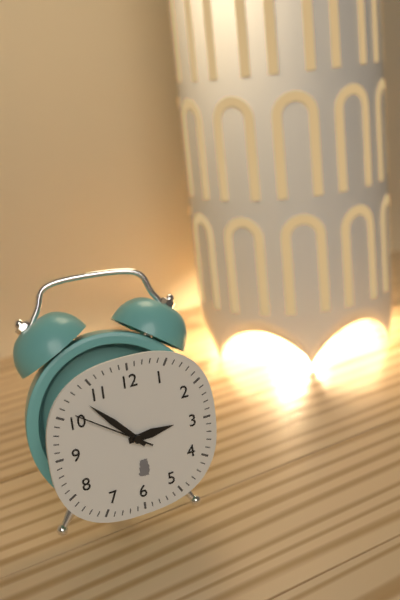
2:53:51
